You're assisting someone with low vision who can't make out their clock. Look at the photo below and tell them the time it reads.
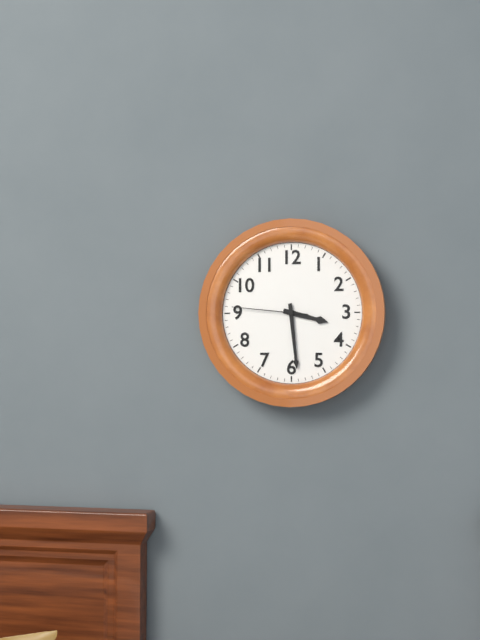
3:29:46
